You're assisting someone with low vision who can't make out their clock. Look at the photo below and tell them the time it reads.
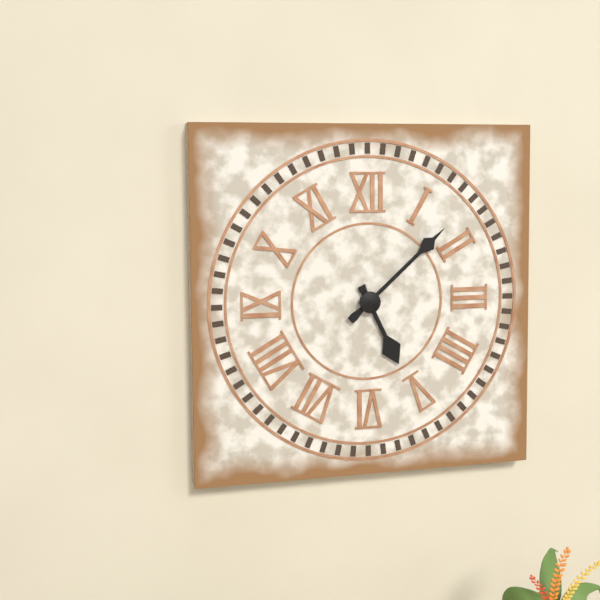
5:08
